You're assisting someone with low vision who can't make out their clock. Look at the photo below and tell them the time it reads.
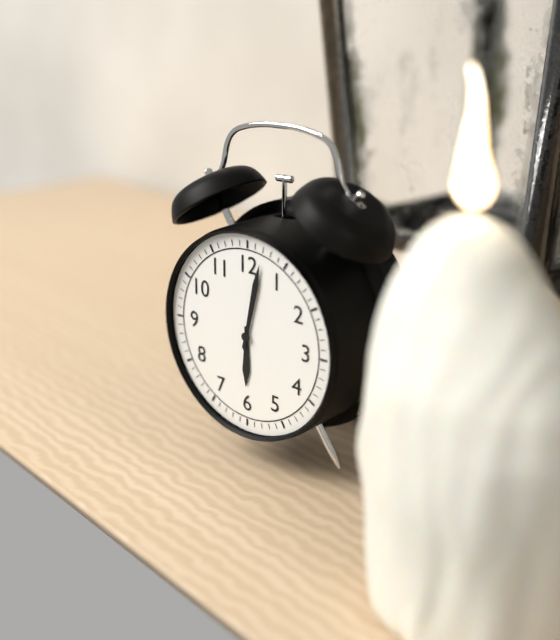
6:02
